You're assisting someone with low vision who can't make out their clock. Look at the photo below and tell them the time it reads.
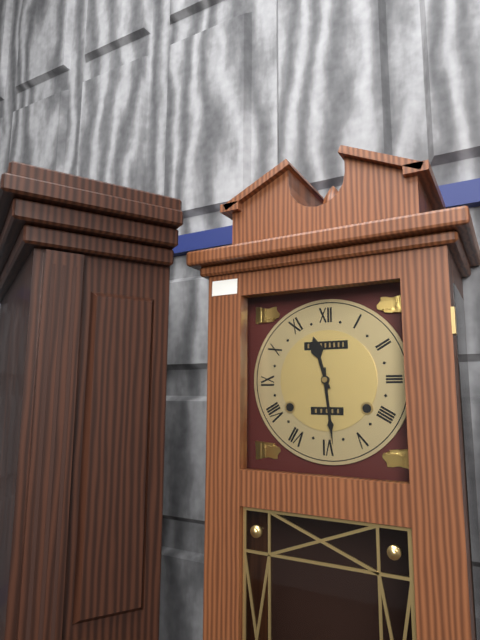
11:29
